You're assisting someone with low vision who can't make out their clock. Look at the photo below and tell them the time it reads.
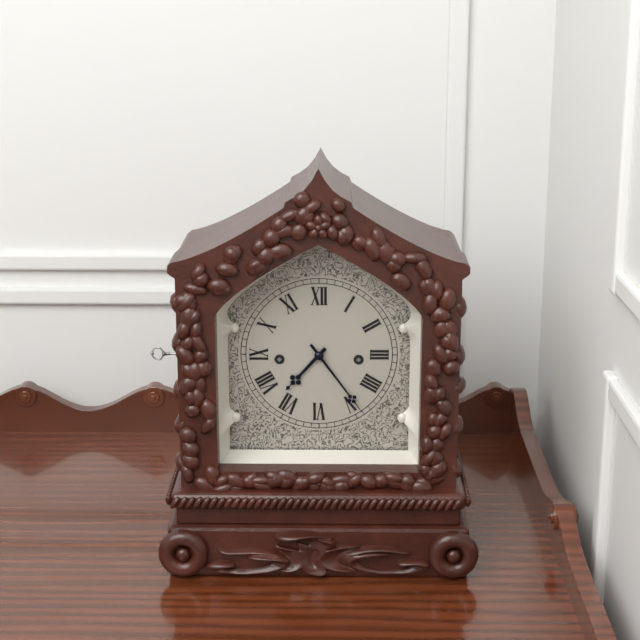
7:24
